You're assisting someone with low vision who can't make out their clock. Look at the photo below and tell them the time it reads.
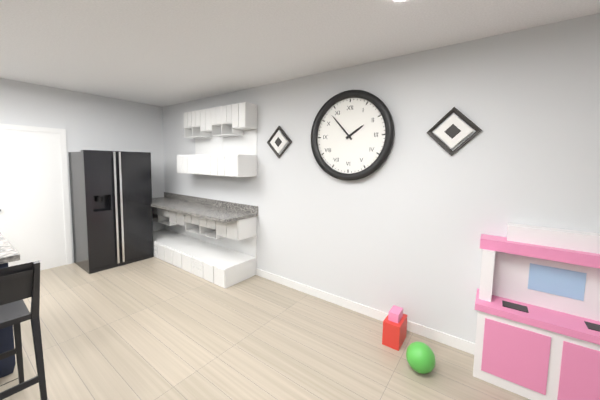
1:53
